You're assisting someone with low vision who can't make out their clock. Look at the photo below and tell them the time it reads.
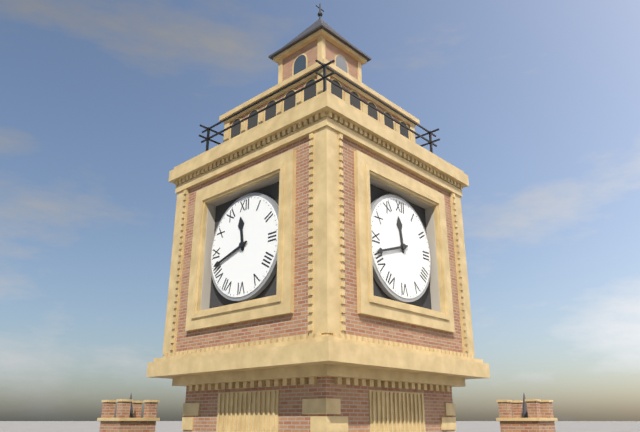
11:42
